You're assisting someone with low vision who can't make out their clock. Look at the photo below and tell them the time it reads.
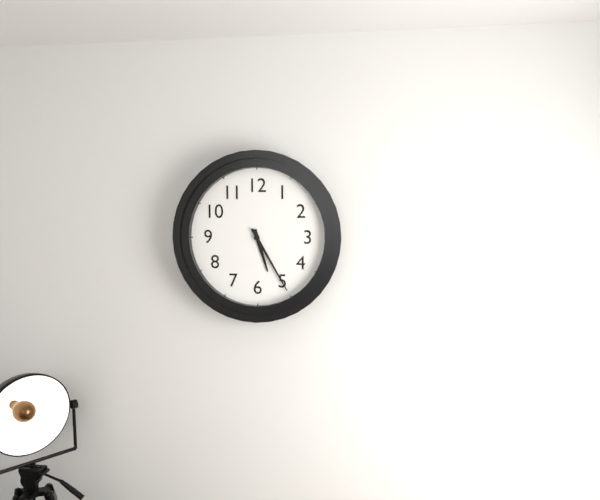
5:25
